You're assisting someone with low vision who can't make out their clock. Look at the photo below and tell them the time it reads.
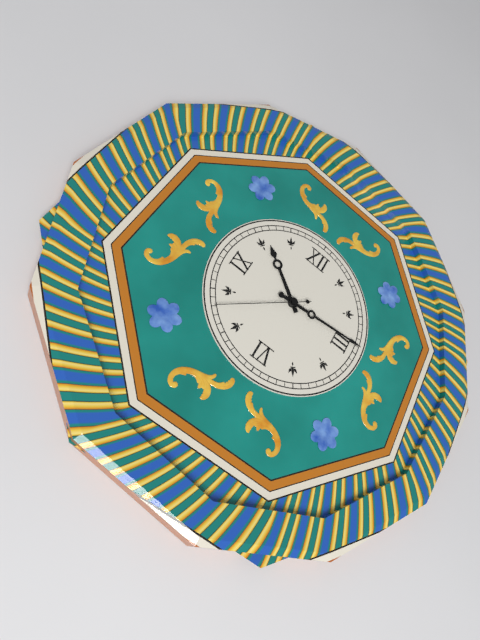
10:14:38
